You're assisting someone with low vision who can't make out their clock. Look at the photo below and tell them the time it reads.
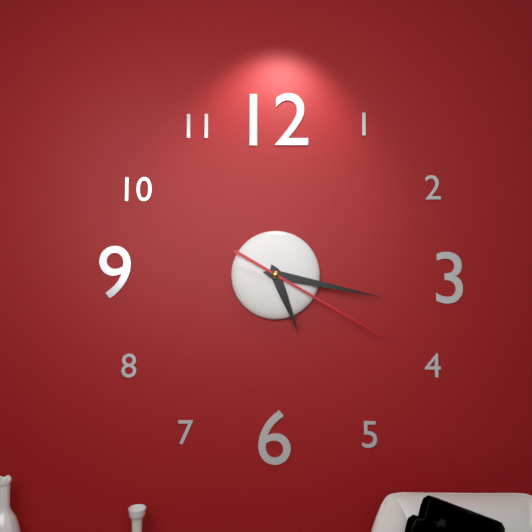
5:17:20
